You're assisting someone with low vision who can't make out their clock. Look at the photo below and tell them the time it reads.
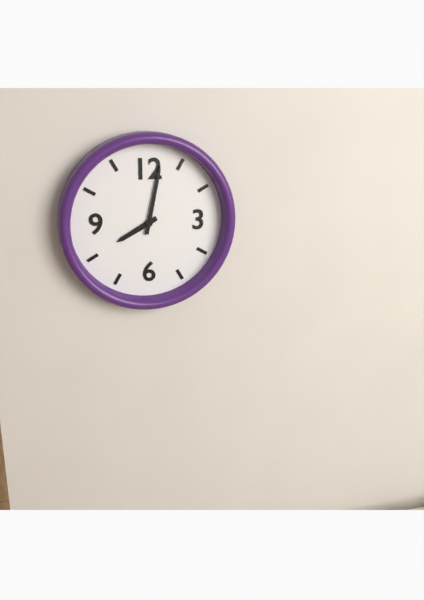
8:02
